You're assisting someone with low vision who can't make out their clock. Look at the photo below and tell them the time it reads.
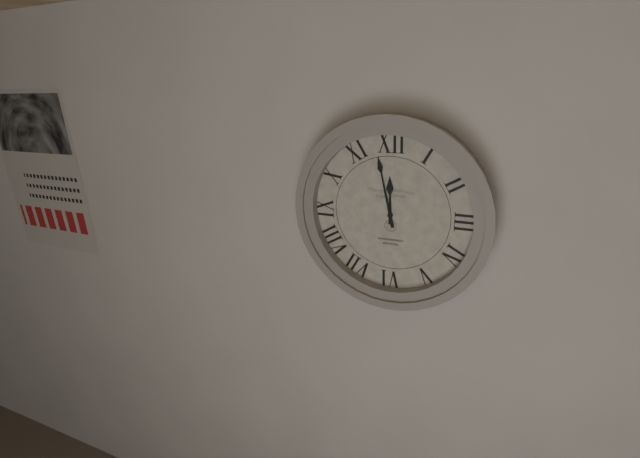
11:58
